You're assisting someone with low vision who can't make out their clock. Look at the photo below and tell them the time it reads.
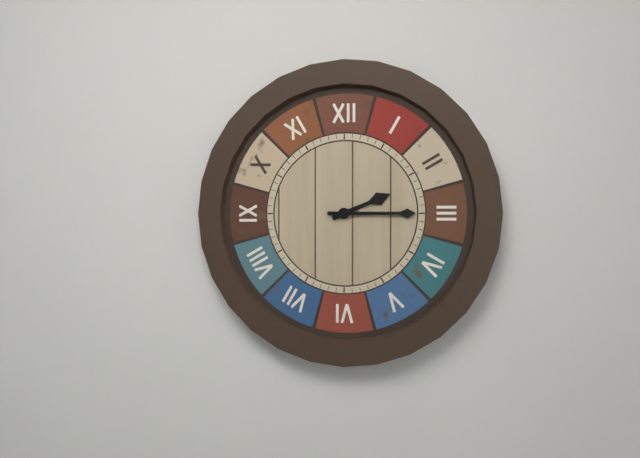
2:15
